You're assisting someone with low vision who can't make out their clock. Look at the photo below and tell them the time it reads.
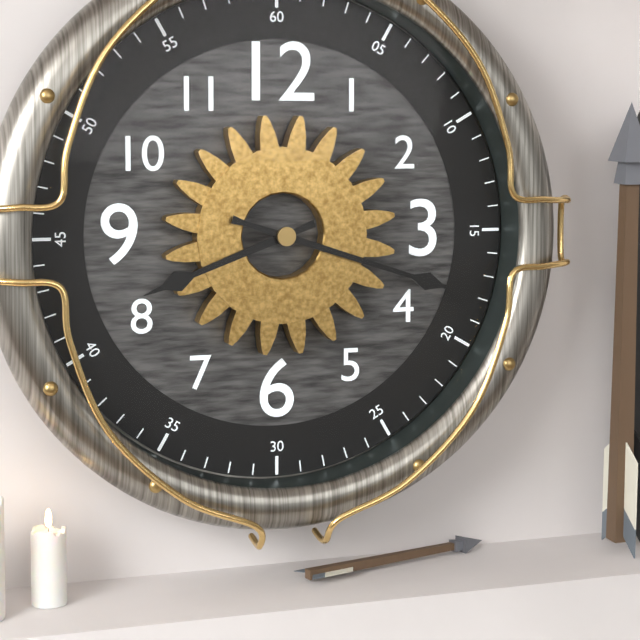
8:18
